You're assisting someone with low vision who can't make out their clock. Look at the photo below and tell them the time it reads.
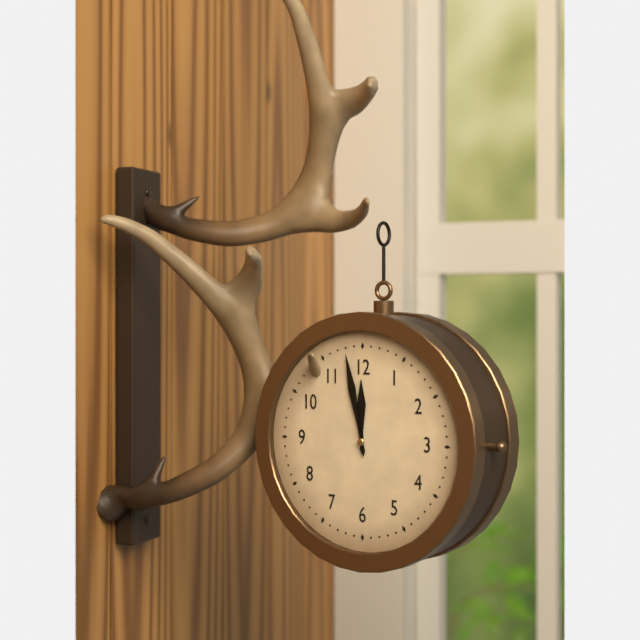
11:58
